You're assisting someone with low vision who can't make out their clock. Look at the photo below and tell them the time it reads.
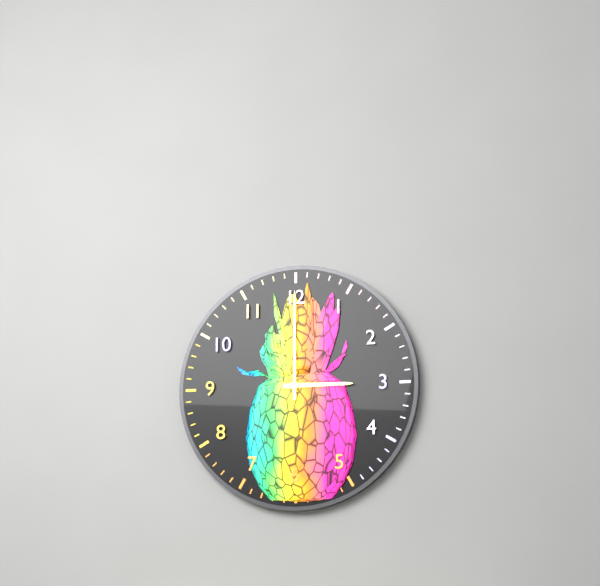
3:00
